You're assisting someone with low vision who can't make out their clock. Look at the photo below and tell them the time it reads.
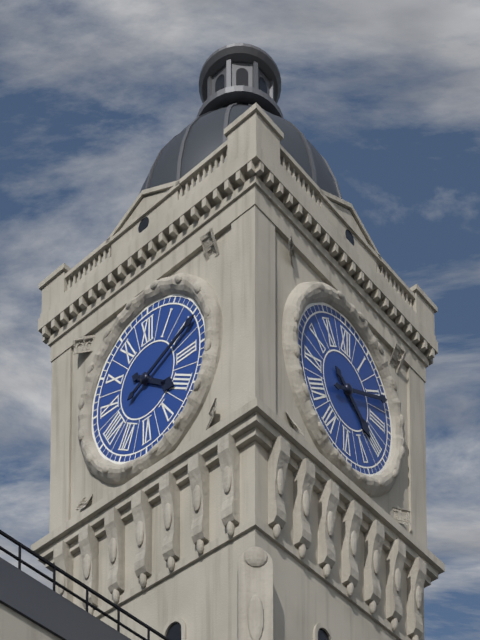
4:11
